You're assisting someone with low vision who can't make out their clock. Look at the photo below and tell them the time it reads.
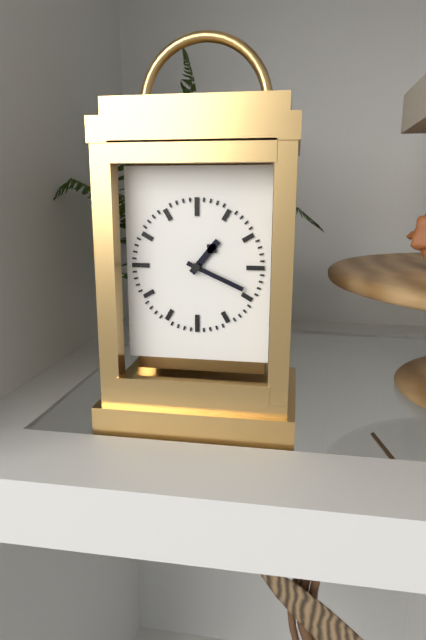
1:19
